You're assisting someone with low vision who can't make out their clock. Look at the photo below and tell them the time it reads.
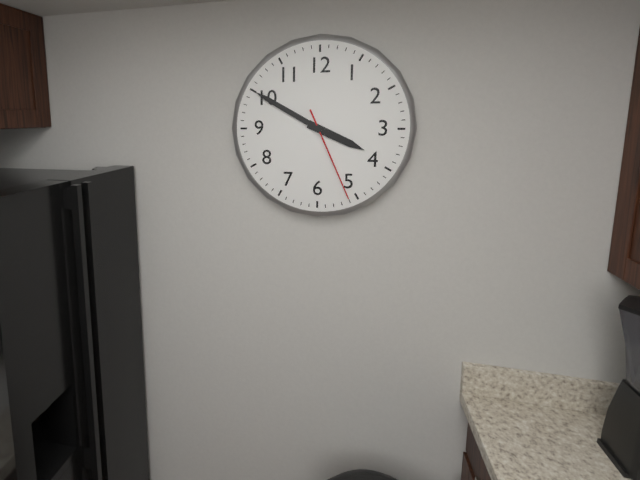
3:50:26
